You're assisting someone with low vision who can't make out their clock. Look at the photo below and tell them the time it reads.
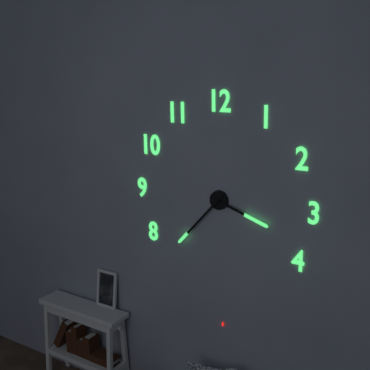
3:37
